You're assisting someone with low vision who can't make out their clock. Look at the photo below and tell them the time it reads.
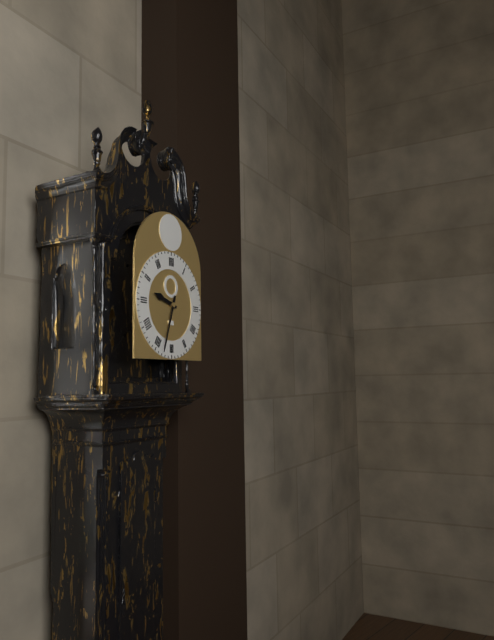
9:33
